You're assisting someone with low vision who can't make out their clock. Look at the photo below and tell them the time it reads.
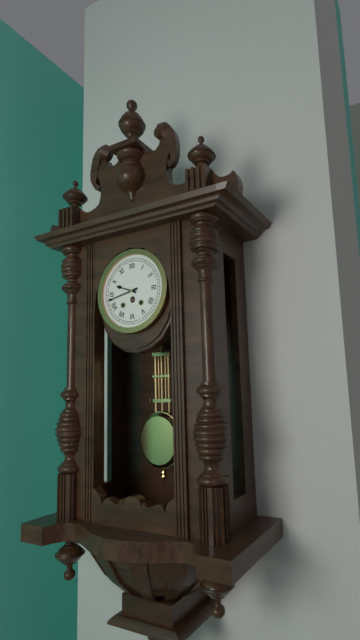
9:43
